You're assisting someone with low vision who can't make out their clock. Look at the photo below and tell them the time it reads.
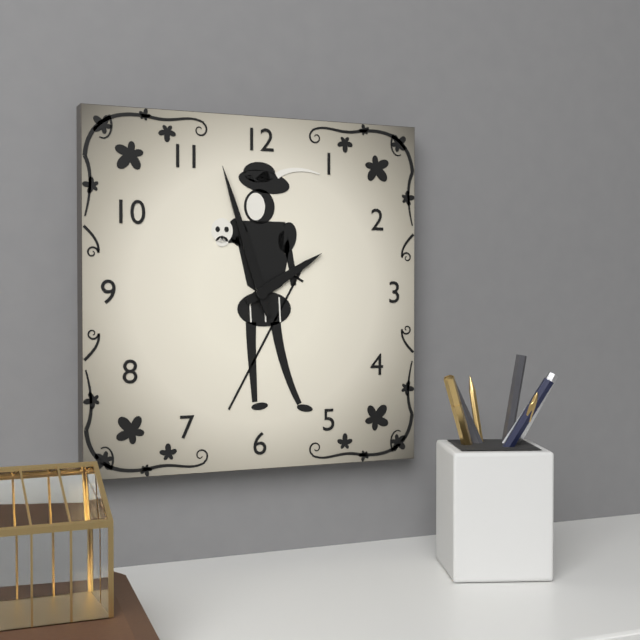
1:57
